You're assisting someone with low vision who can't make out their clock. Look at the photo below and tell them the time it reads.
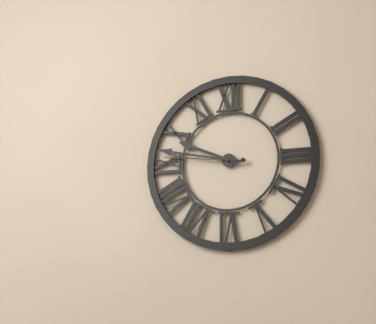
9:47:46
